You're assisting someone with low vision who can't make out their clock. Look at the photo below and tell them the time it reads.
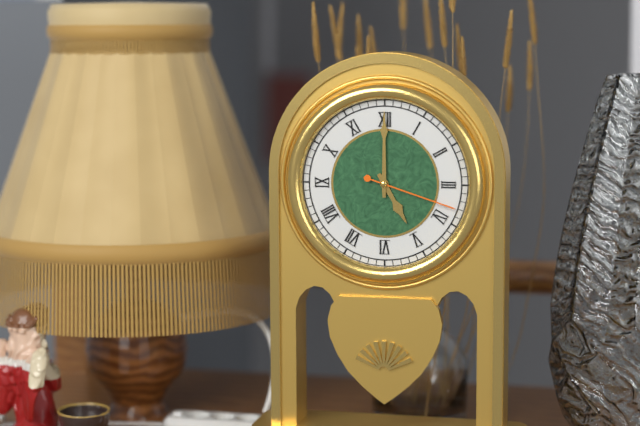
5:00:18
